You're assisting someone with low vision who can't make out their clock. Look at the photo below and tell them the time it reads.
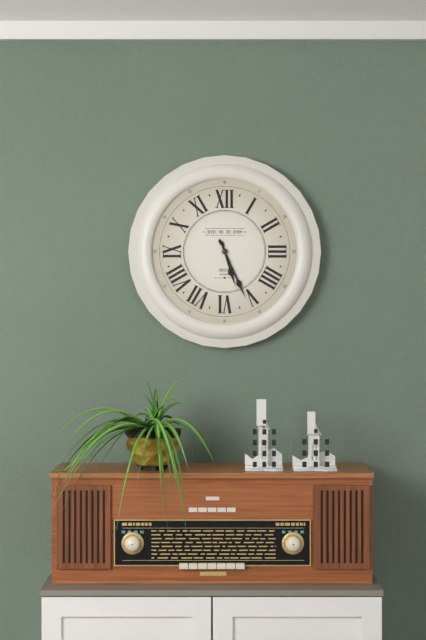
5:26
